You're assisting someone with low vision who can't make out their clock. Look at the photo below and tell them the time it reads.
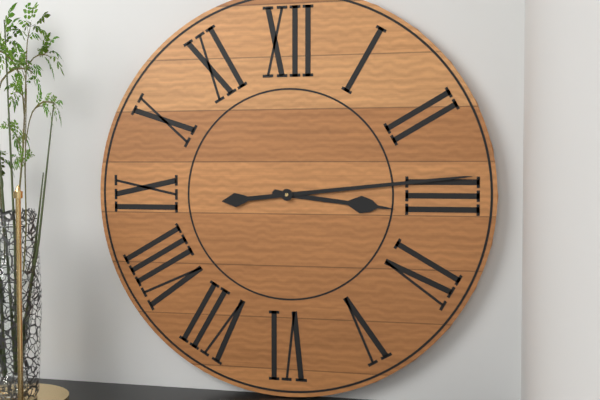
3:14
